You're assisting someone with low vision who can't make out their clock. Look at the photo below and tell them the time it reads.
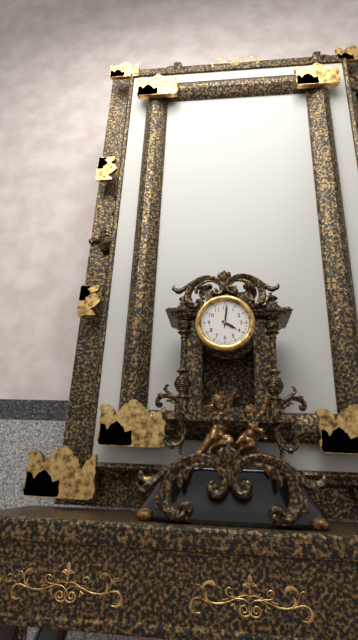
4:01
